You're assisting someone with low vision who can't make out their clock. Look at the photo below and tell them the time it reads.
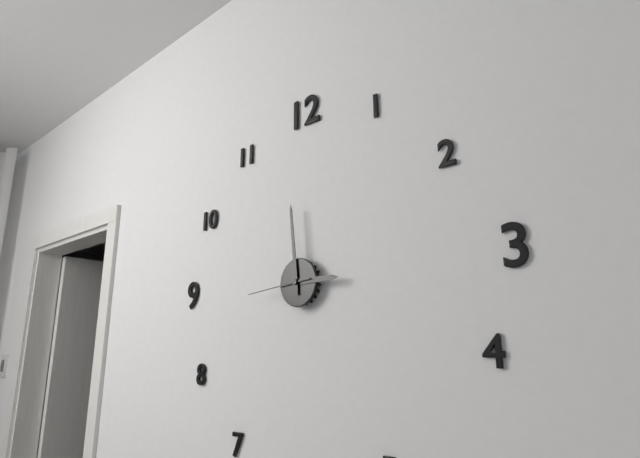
2:59:44
